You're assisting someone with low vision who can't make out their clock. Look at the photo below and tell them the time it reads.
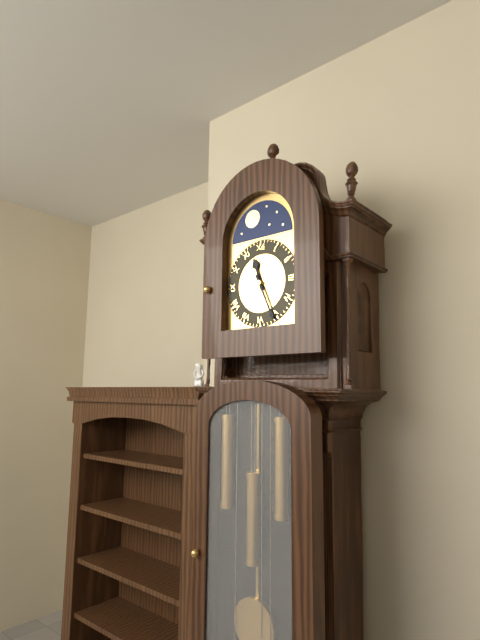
11:26
